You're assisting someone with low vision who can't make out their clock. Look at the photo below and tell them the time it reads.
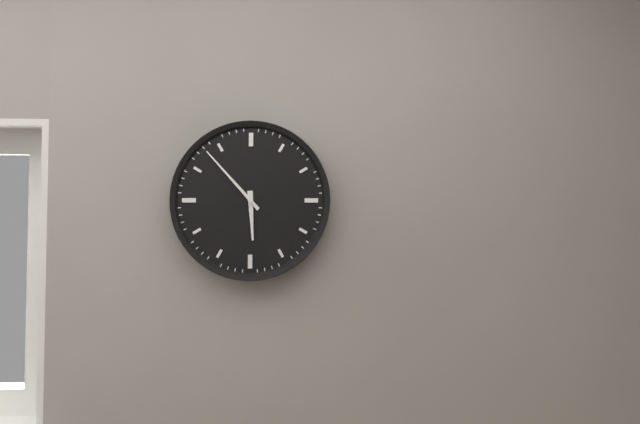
5:53
